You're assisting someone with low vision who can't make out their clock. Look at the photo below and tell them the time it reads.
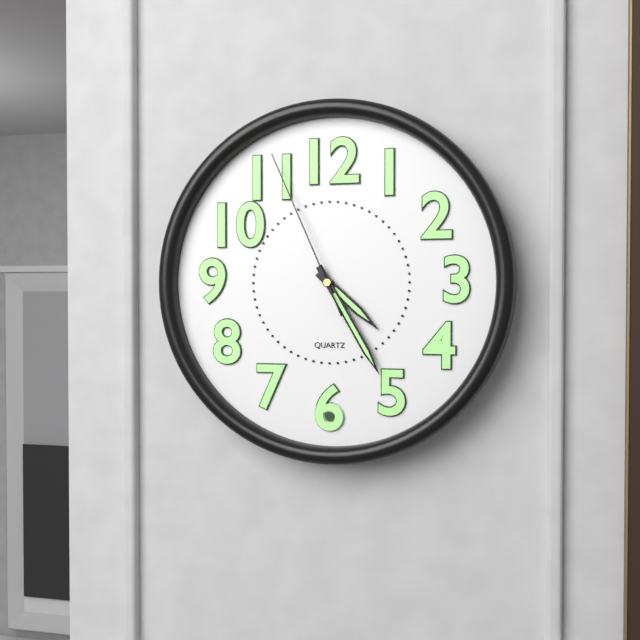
4:25:56
